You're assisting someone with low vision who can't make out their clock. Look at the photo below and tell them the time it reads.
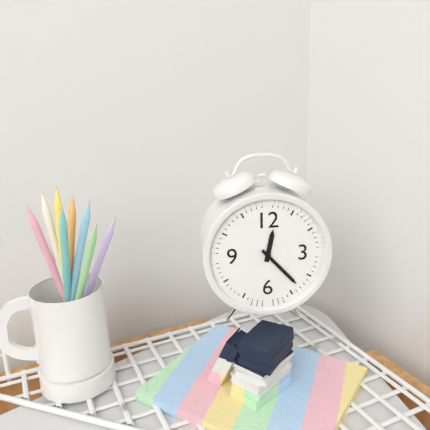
12:23
